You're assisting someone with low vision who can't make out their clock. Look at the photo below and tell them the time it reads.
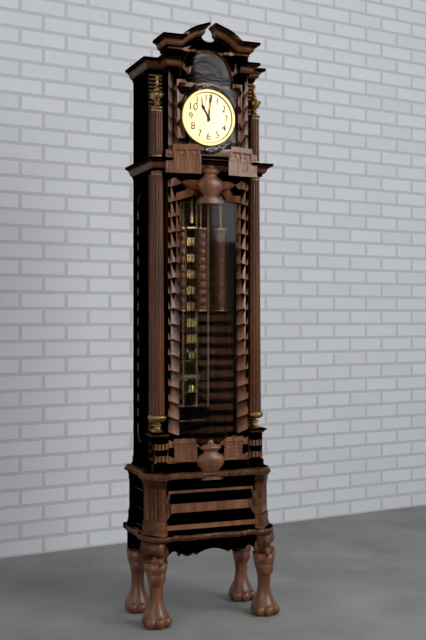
11:01
